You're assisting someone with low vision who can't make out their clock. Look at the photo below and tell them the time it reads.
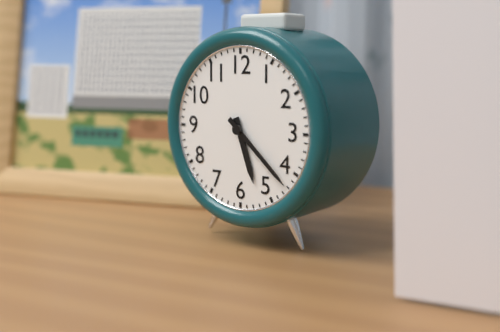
5:22
